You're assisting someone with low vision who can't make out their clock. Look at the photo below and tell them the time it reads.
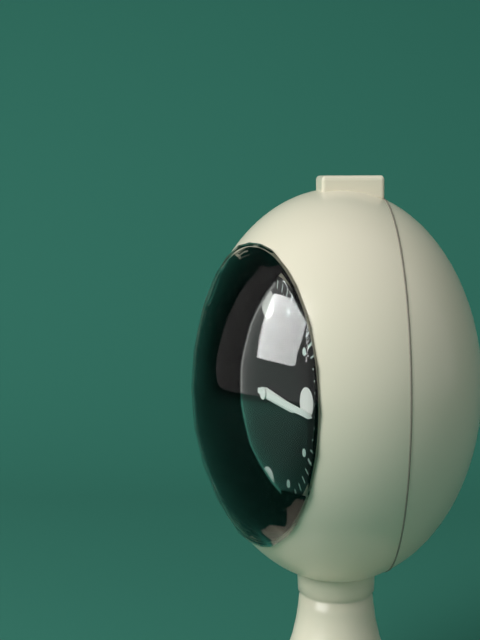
3:16
